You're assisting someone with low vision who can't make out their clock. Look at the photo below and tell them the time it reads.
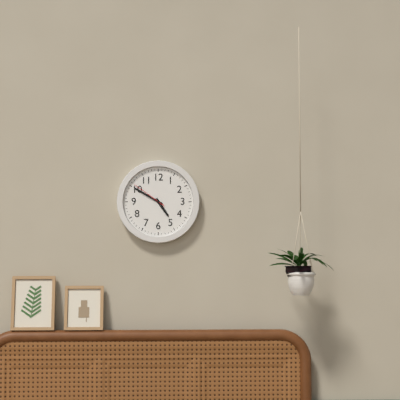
4:50
